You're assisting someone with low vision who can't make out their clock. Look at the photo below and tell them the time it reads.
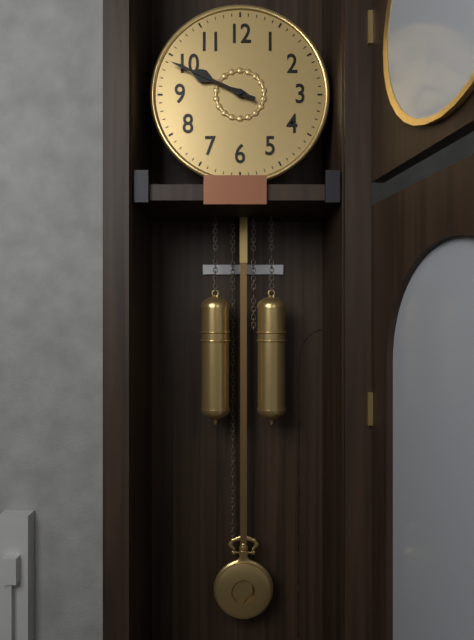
9:49
